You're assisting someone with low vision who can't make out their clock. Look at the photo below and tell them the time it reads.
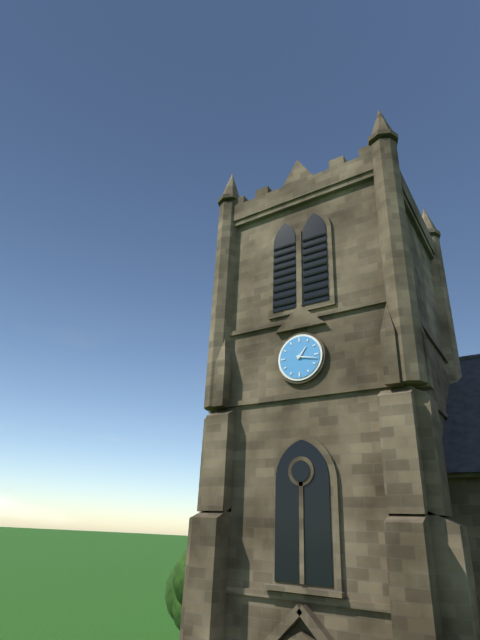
1:17
